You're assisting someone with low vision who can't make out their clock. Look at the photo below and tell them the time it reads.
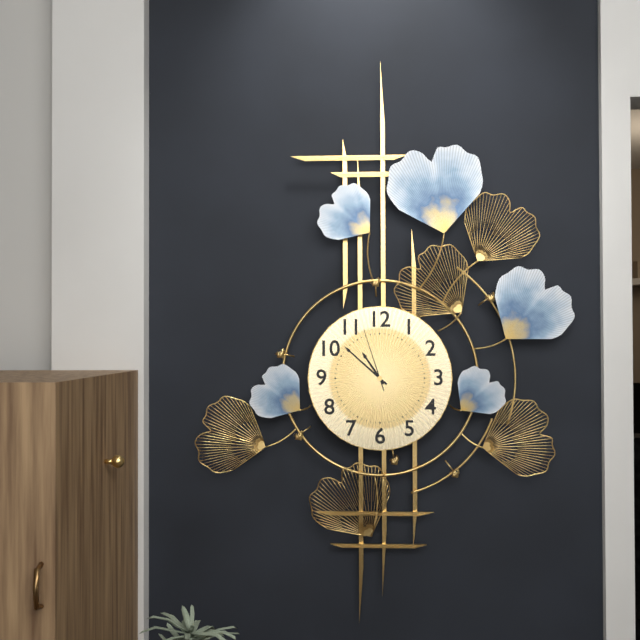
10:52:57
